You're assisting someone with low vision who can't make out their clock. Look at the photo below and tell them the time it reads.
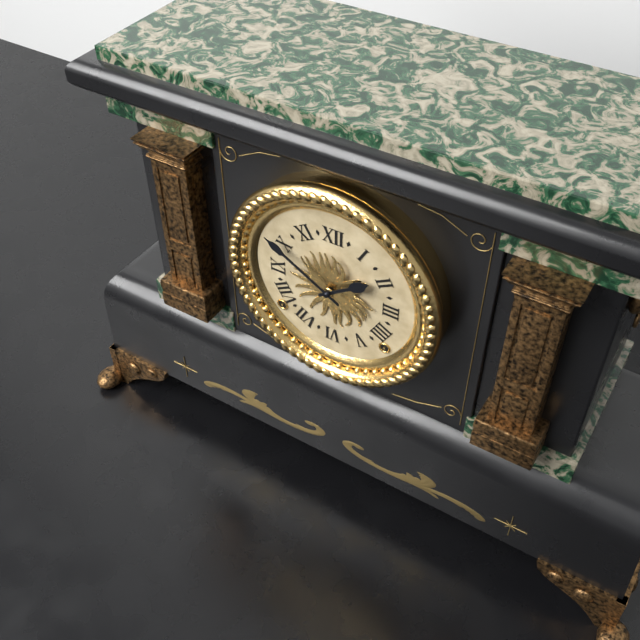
1:50
